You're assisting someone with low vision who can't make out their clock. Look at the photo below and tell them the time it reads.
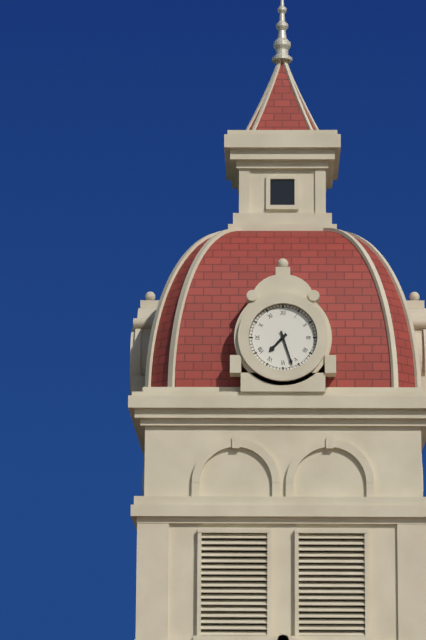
7:27
